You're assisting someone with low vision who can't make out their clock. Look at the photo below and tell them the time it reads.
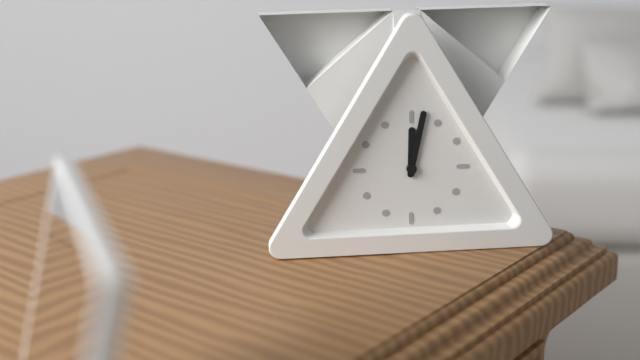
12:02
